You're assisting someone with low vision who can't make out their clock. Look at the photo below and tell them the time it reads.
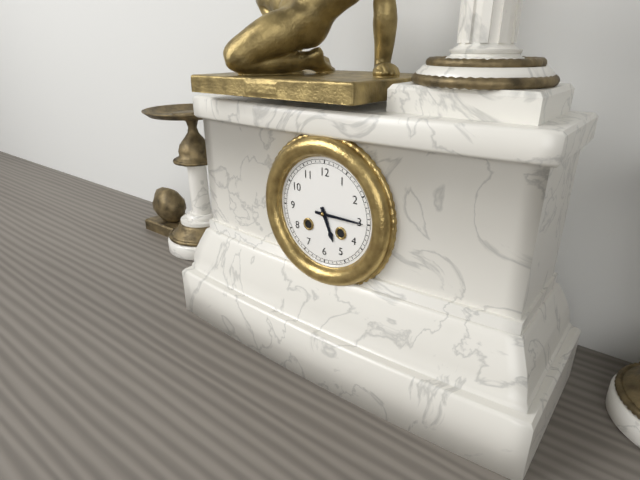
5:15
